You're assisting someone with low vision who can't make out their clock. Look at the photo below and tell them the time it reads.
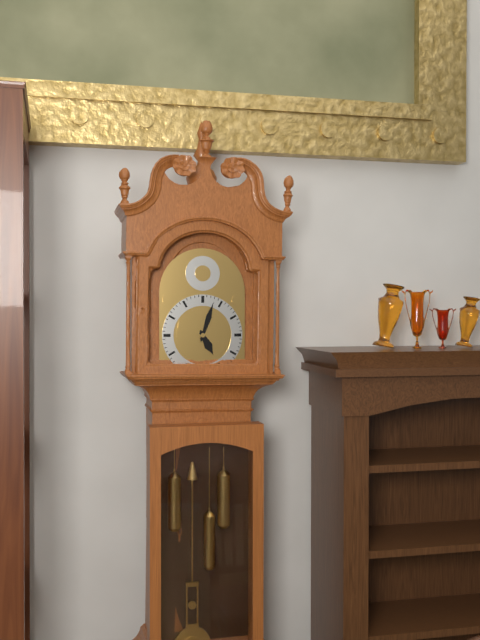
5:03
